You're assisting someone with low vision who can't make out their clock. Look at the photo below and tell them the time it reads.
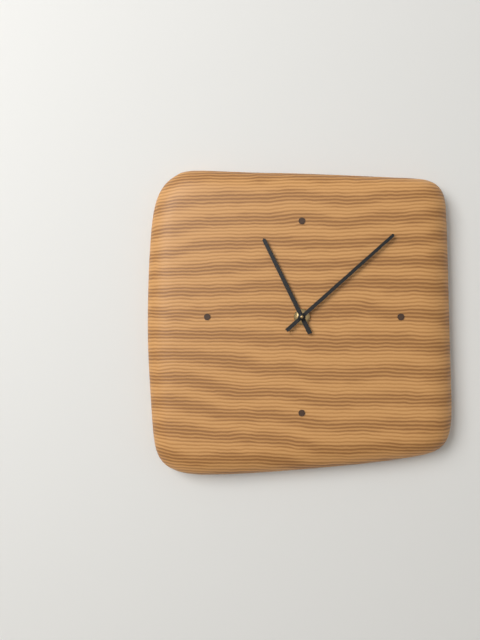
11:08
